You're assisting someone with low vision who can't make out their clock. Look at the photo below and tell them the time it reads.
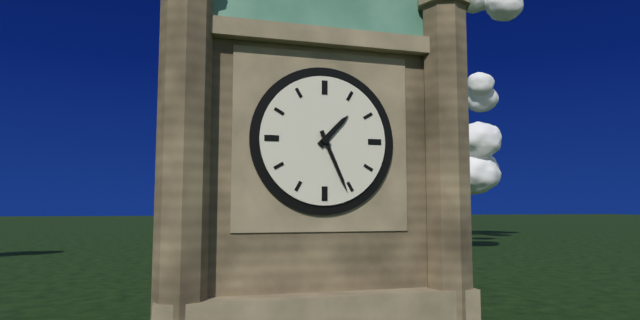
1:26
